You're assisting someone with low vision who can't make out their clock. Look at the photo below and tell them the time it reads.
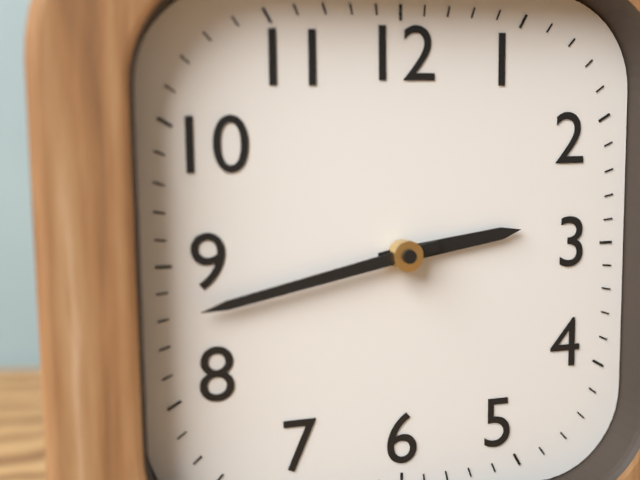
2:43
